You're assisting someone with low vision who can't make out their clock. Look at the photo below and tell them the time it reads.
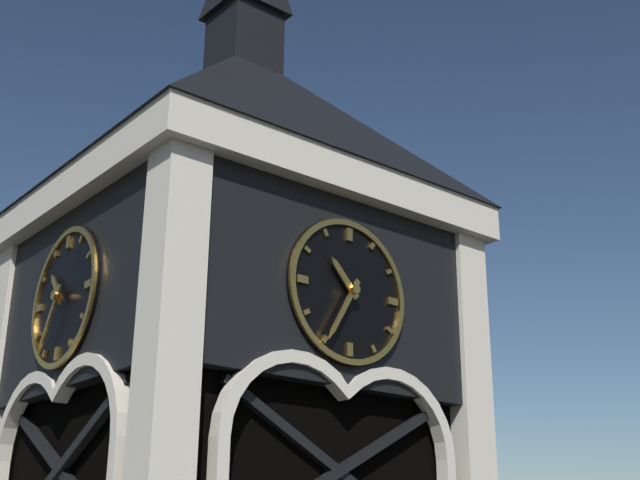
10:35
